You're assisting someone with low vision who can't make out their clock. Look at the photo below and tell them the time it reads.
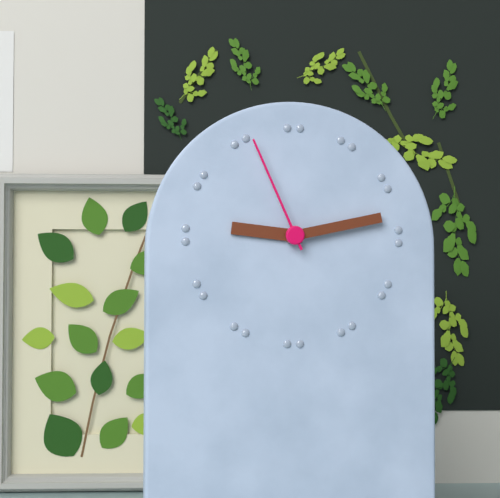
9:13:56
